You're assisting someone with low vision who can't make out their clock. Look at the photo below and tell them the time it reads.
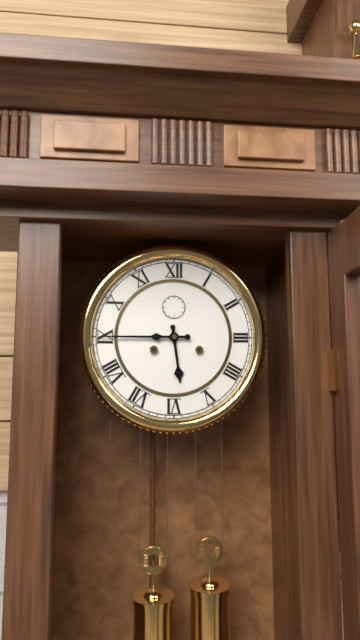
5:45
